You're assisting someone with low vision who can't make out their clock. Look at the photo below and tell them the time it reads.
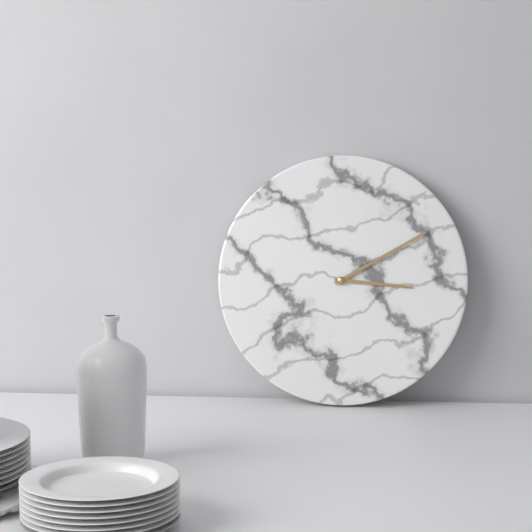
3:10
